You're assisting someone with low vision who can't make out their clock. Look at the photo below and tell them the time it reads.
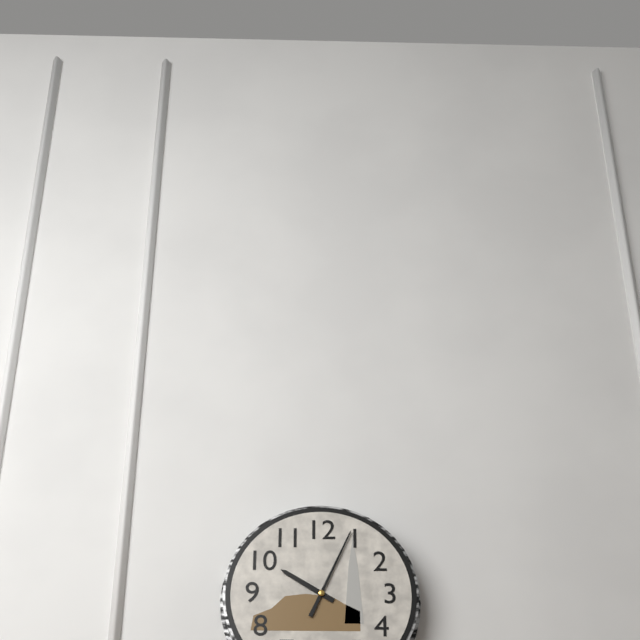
10:04
